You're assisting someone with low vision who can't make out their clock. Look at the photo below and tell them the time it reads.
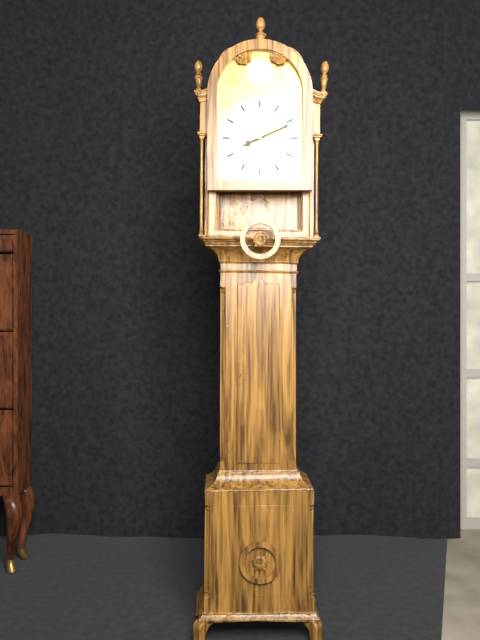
8:11
